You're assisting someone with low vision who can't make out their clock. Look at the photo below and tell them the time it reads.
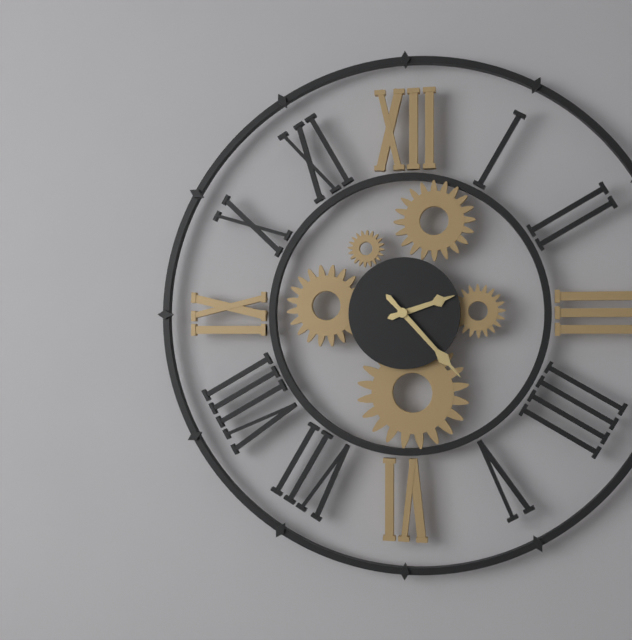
2:23
